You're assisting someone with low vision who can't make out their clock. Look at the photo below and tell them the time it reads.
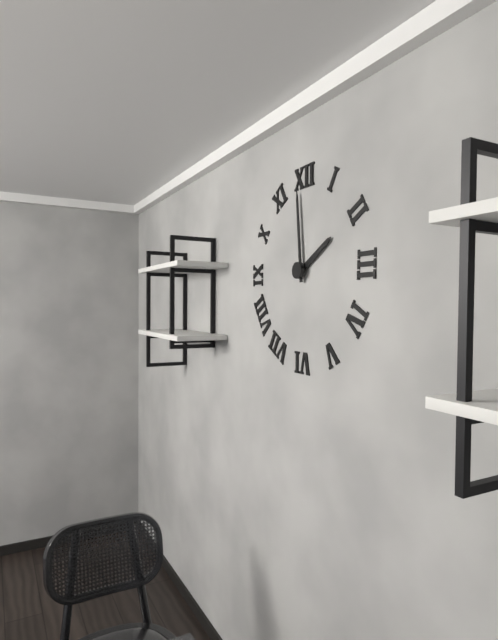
1:59
